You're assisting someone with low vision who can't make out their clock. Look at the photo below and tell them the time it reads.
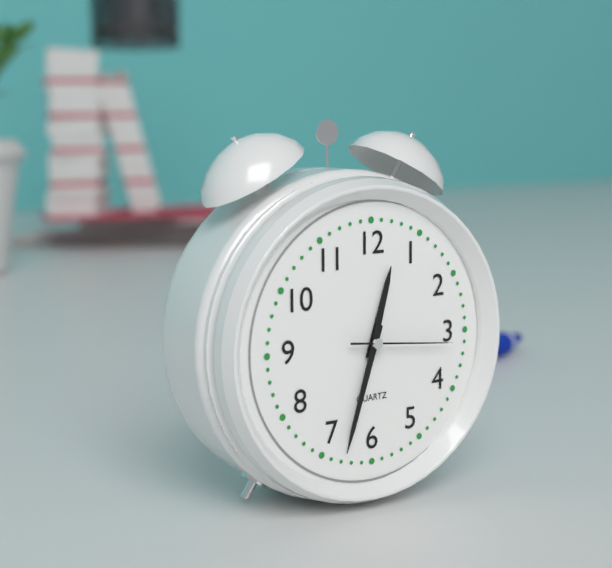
12:33:16
